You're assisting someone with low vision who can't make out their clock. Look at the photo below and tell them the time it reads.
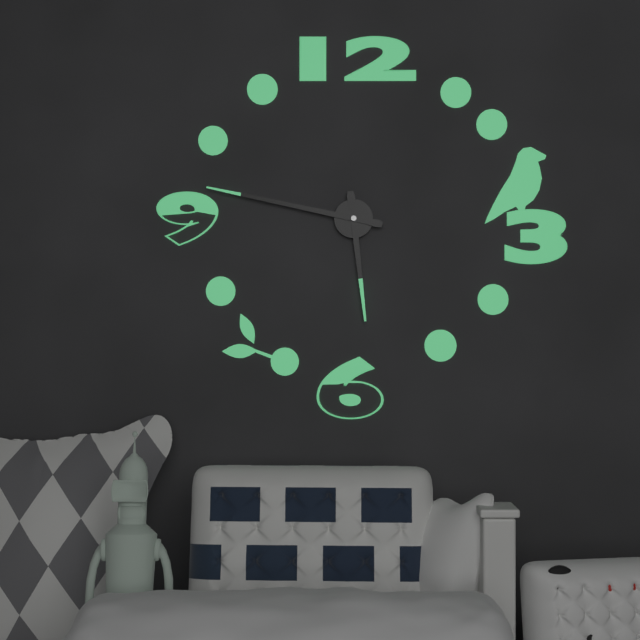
5:47
